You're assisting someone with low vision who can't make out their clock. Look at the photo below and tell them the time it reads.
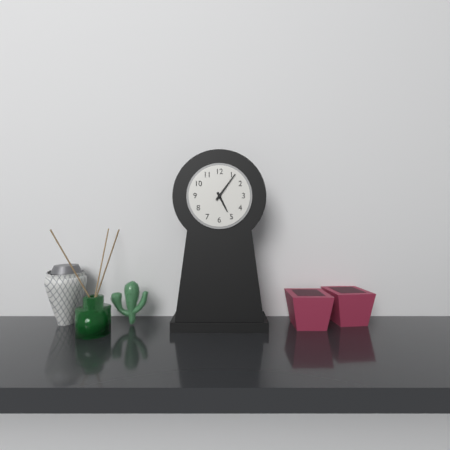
5:06
